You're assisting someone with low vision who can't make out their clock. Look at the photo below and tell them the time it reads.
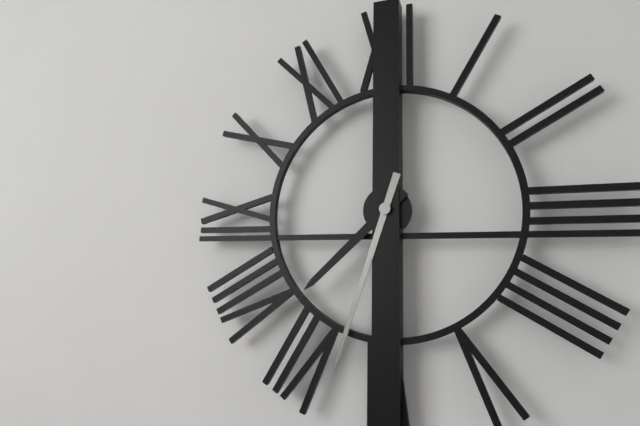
7:33
